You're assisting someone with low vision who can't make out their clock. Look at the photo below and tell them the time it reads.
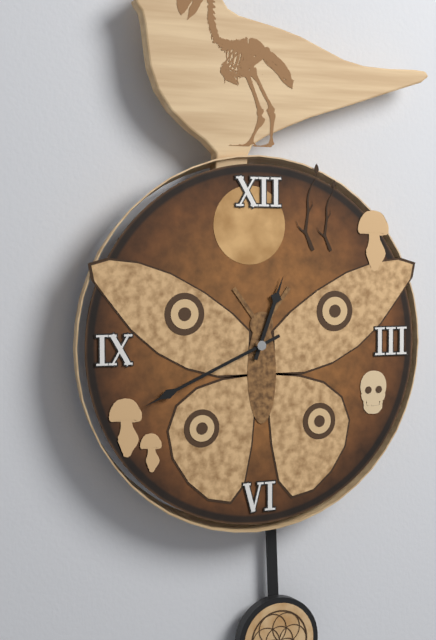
12:41
